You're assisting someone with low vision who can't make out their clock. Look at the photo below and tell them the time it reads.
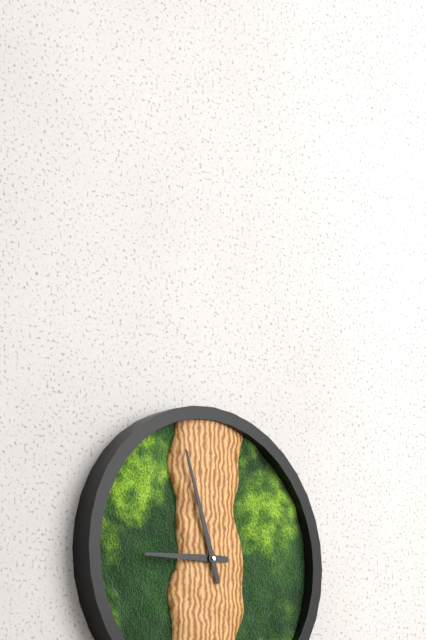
8:57
